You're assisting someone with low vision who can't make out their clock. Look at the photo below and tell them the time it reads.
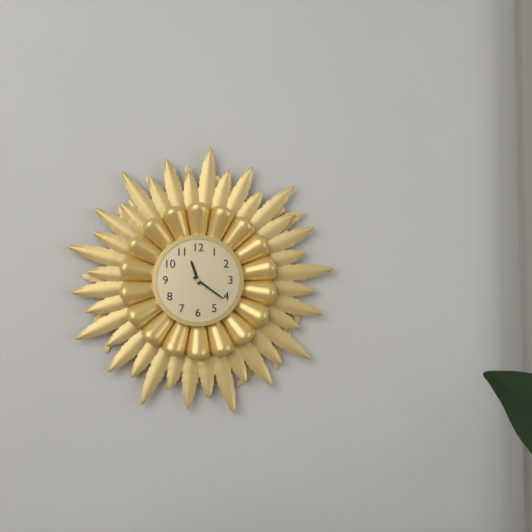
11:21
